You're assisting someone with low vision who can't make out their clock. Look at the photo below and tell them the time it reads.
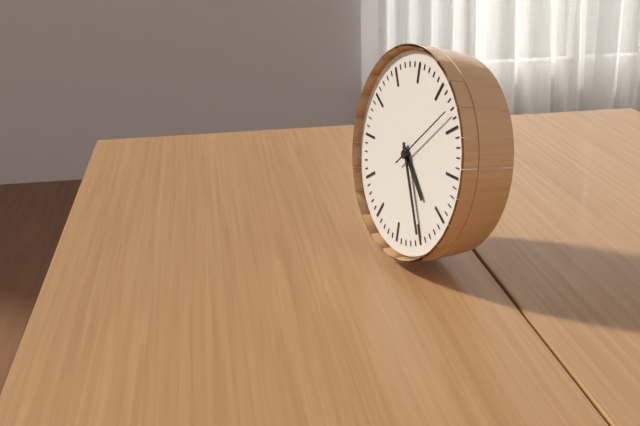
4:25:08
